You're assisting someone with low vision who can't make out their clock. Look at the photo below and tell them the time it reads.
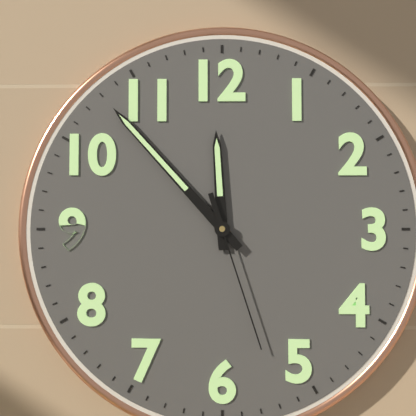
11:53:27
